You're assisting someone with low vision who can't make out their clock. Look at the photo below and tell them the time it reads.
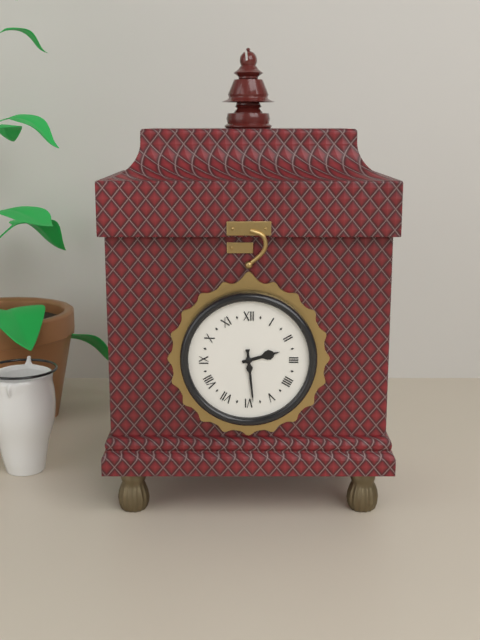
2:29
